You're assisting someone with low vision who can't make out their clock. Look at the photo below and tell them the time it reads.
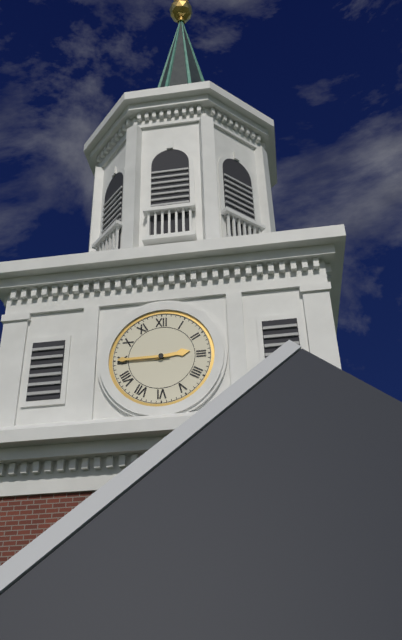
2:45
